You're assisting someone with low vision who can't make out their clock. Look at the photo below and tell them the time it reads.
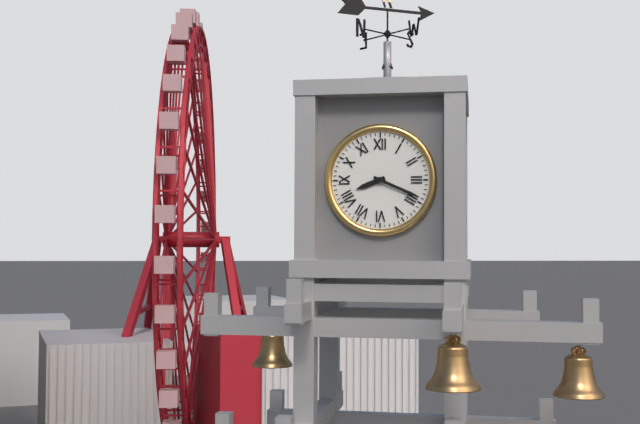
8:19
